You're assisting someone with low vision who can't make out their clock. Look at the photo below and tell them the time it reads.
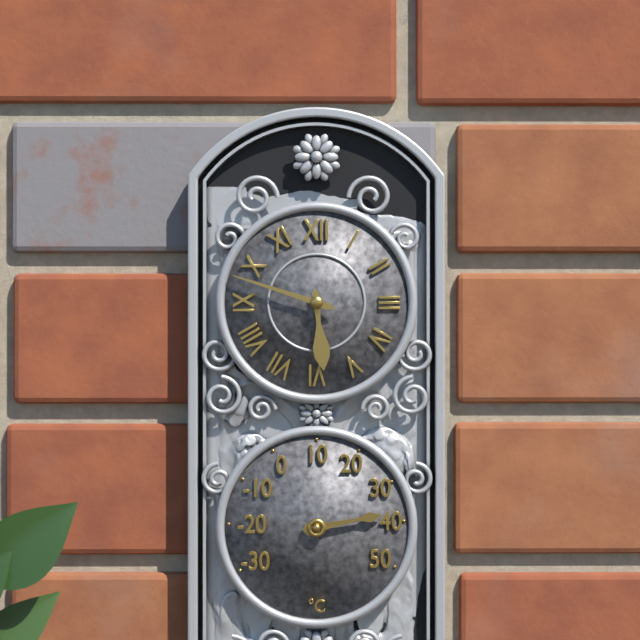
5:48
